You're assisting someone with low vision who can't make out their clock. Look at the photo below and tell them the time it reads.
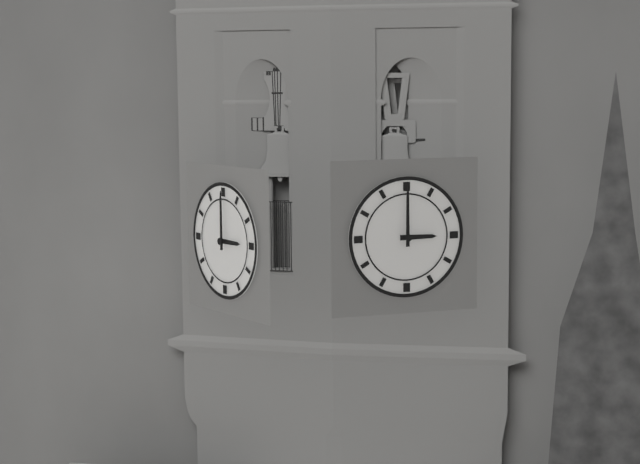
3:00
